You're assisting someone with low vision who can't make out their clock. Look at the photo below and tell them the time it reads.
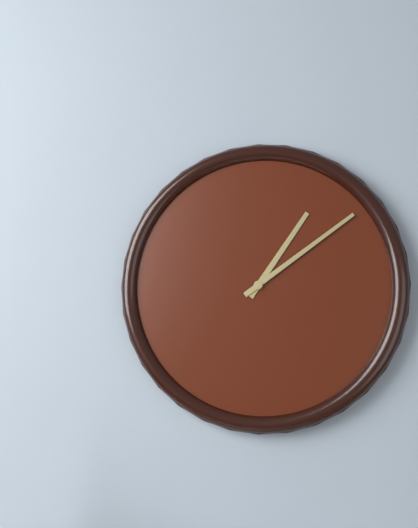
1:09
